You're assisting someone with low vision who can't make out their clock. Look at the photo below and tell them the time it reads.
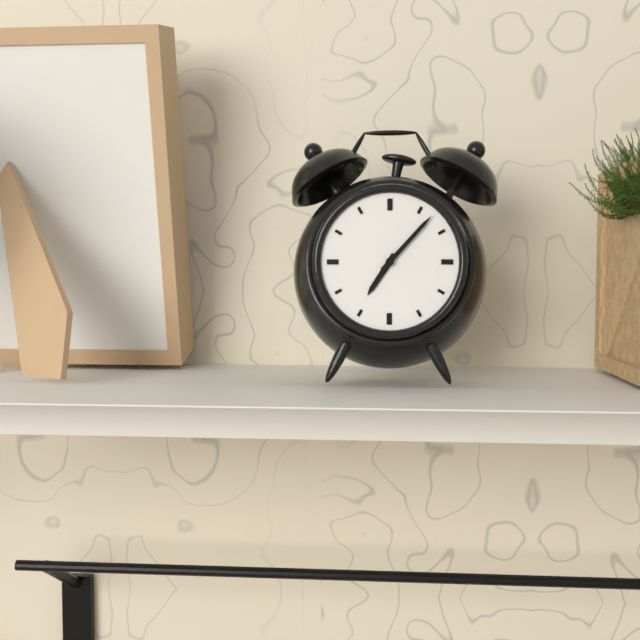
7:07
